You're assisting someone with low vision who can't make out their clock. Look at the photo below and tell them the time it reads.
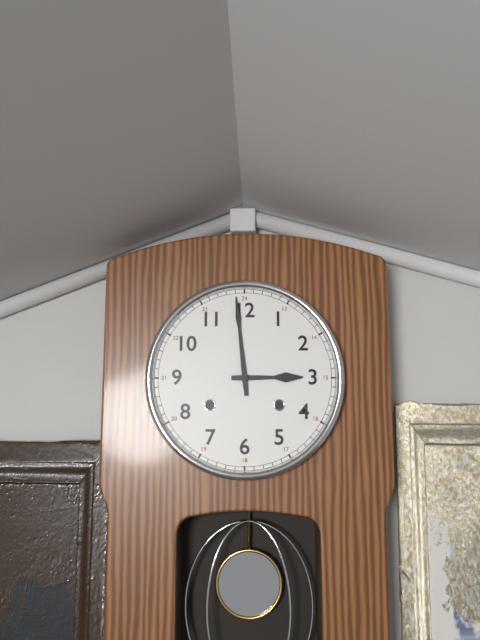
2:59
